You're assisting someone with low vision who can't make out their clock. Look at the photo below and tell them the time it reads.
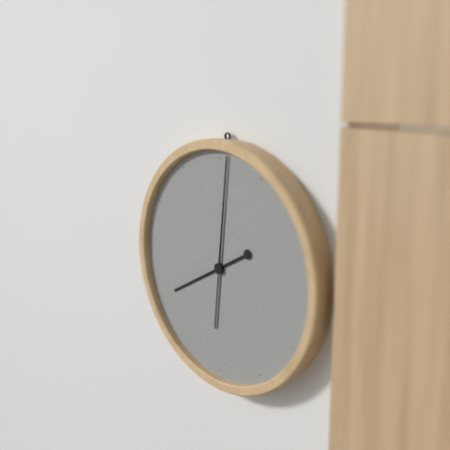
8:01
